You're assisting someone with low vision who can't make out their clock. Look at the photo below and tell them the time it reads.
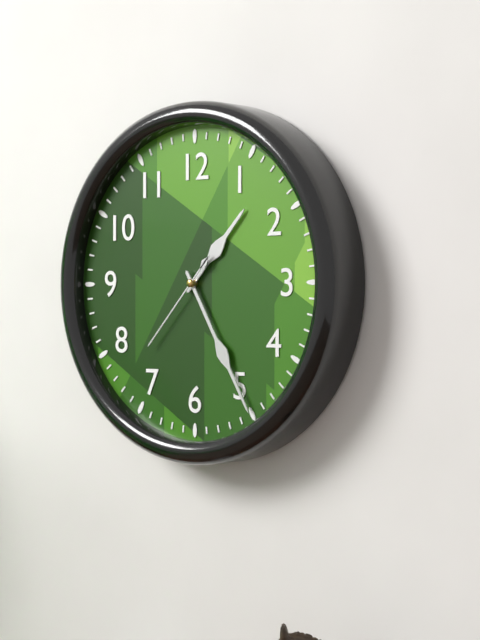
1:25:37
